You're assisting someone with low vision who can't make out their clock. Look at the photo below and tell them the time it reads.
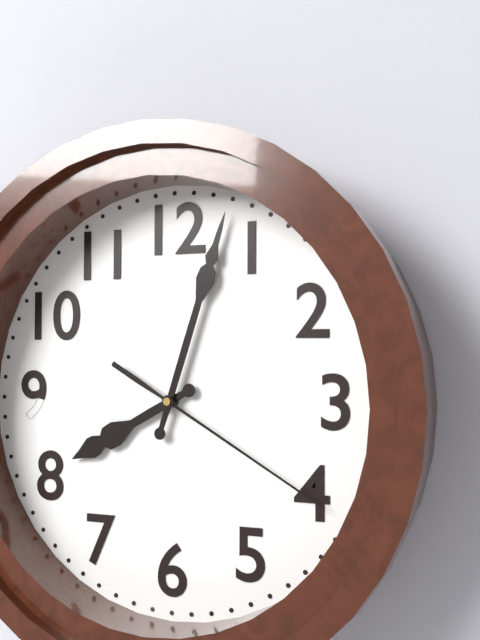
8:03:20
